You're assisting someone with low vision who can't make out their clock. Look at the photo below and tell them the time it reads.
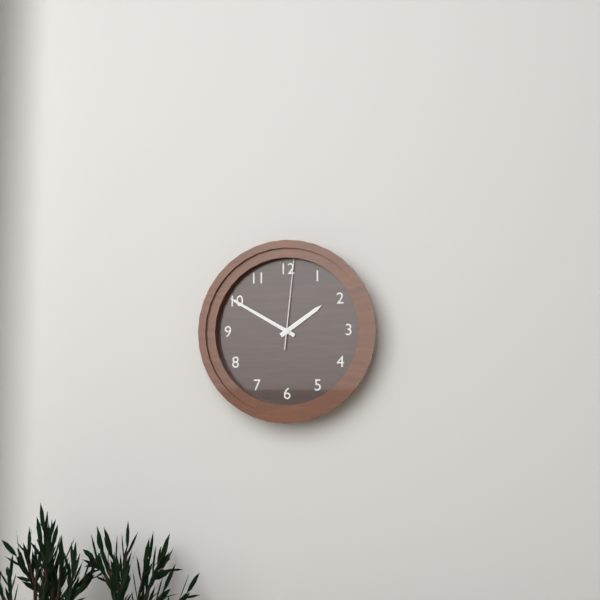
1:50:01
